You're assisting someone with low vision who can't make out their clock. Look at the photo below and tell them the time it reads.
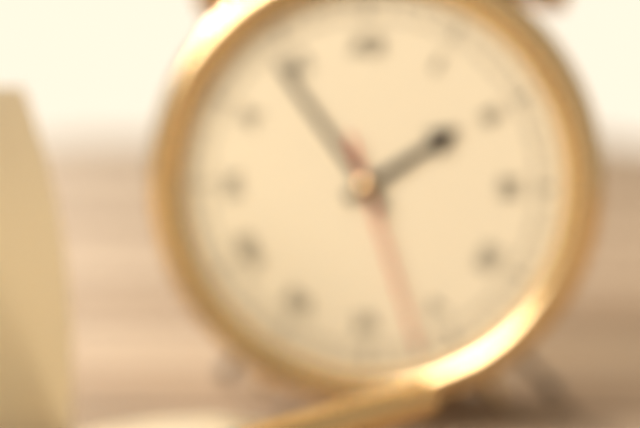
1:54:27
